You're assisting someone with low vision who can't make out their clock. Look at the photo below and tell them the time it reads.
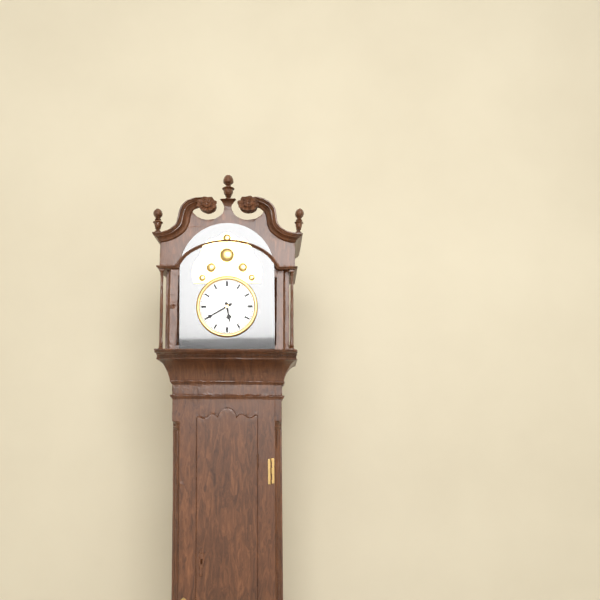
5:40
